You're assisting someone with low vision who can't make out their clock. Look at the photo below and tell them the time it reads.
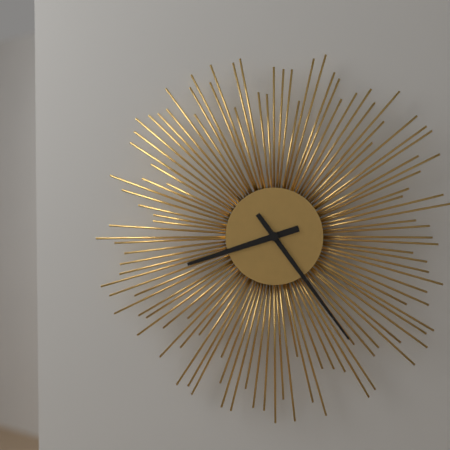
8:24
